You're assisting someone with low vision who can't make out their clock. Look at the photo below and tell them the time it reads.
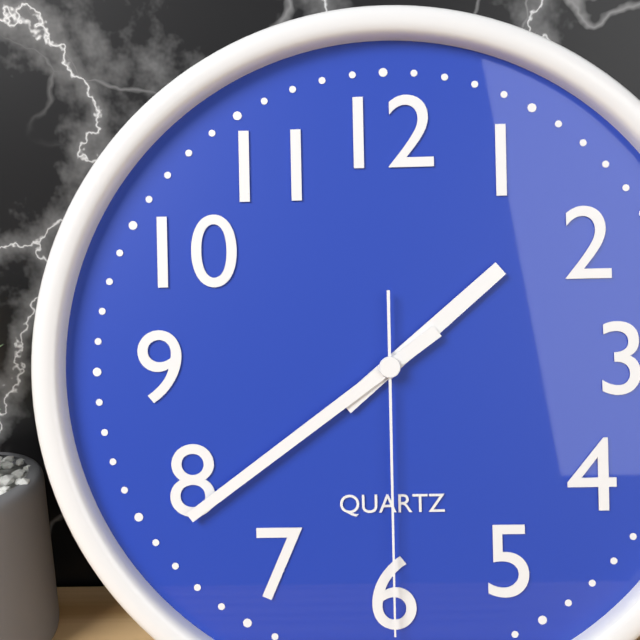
1:39:30
